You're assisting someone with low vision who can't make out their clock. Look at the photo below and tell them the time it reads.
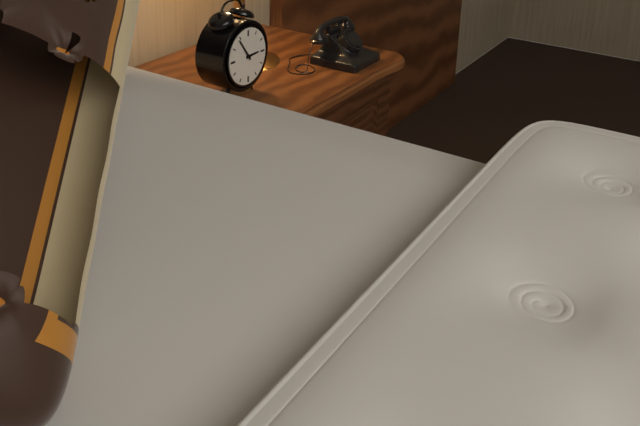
2:54
